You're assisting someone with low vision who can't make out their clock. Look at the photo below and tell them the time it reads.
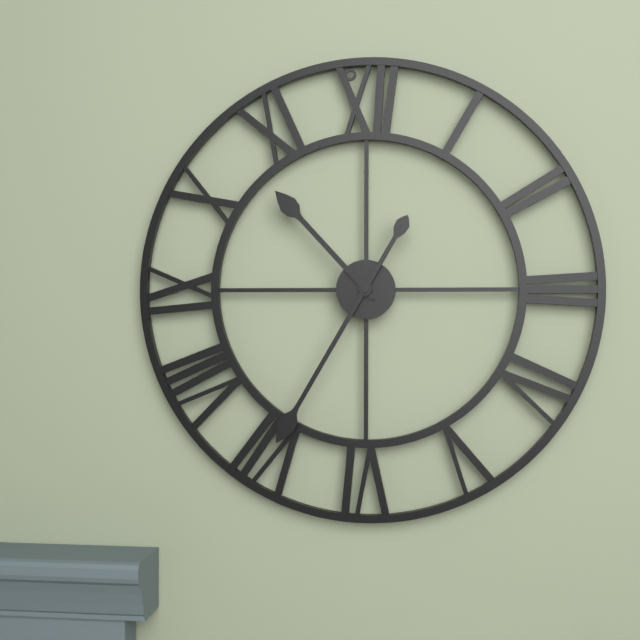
10:35
